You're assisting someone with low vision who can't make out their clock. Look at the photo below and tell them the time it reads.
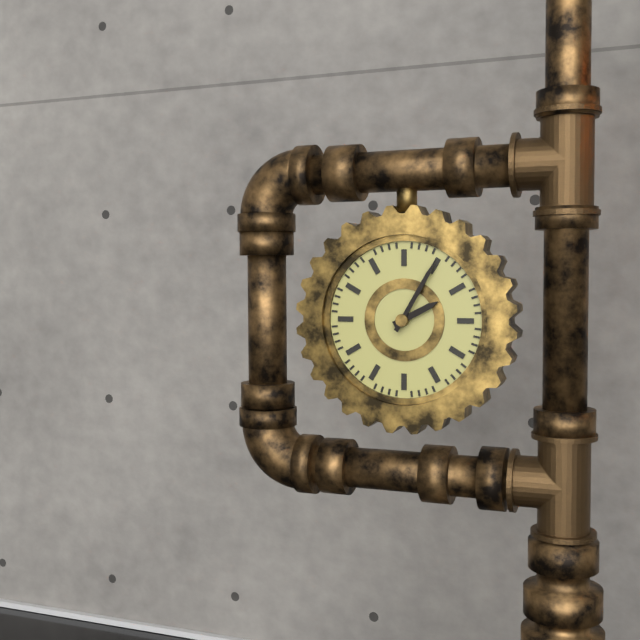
2:05
